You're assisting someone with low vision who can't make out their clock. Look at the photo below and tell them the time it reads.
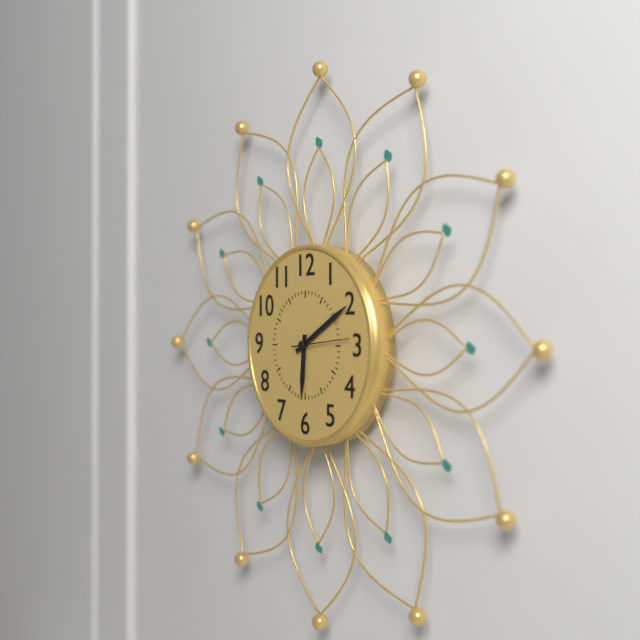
6:10:14
